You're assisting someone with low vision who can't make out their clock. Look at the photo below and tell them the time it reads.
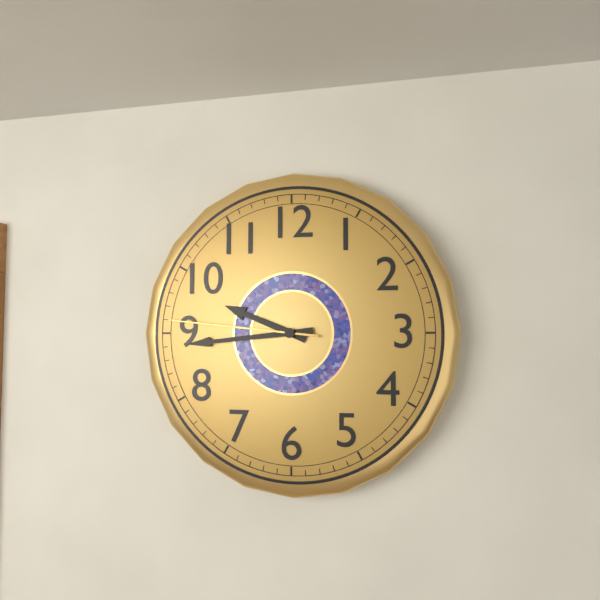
9:44:46
